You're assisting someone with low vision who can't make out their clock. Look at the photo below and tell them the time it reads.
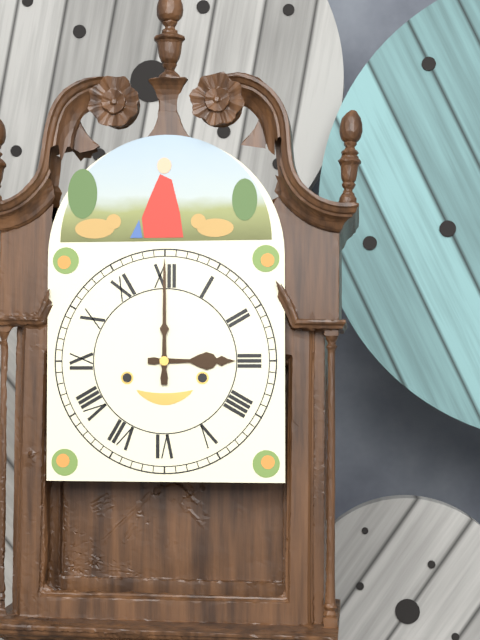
3:00
